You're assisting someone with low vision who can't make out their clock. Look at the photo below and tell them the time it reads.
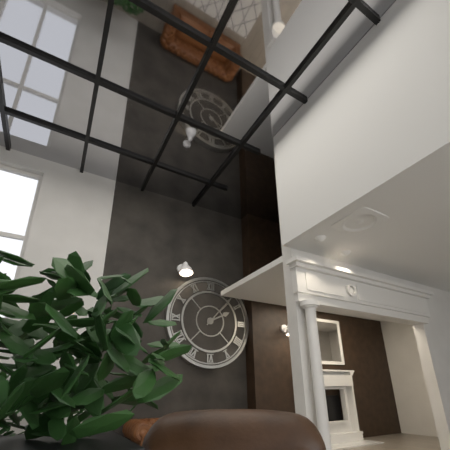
2:07
